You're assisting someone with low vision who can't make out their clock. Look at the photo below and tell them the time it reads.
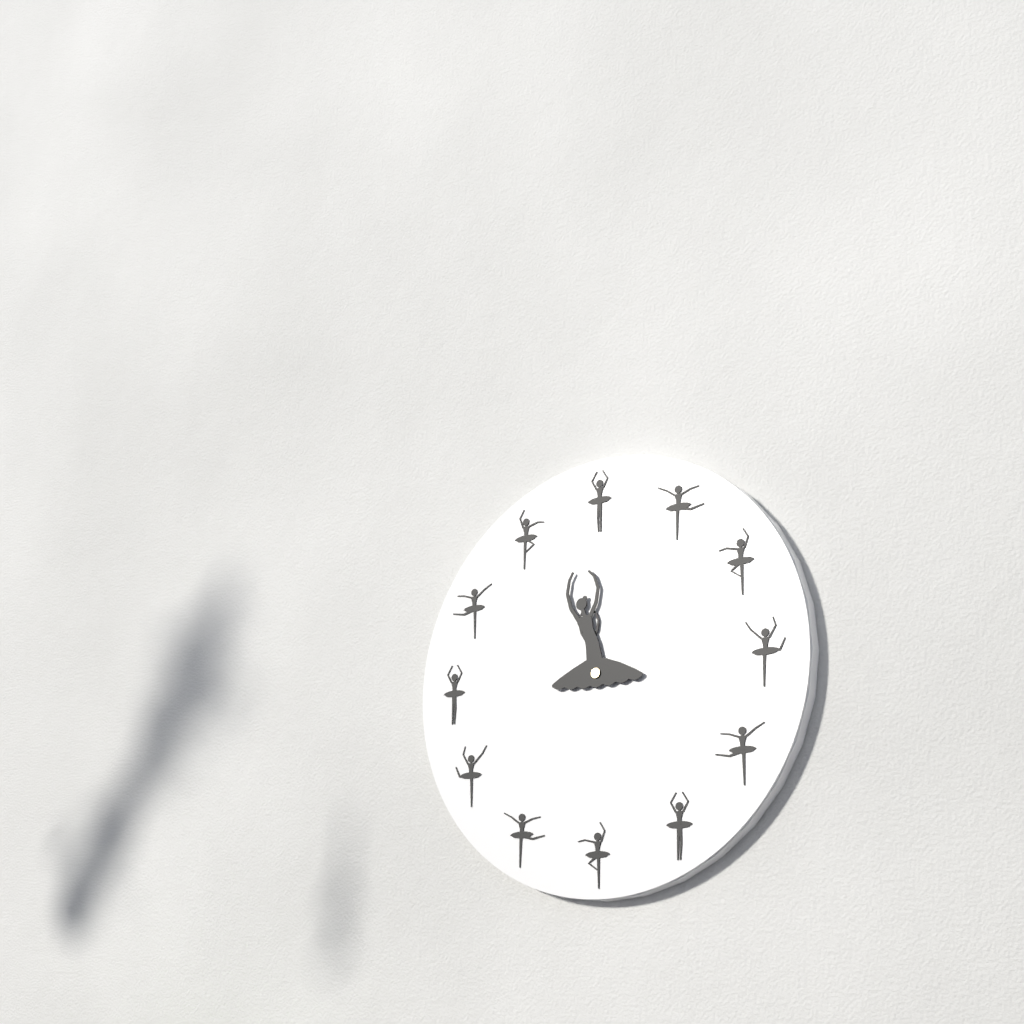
12:00
